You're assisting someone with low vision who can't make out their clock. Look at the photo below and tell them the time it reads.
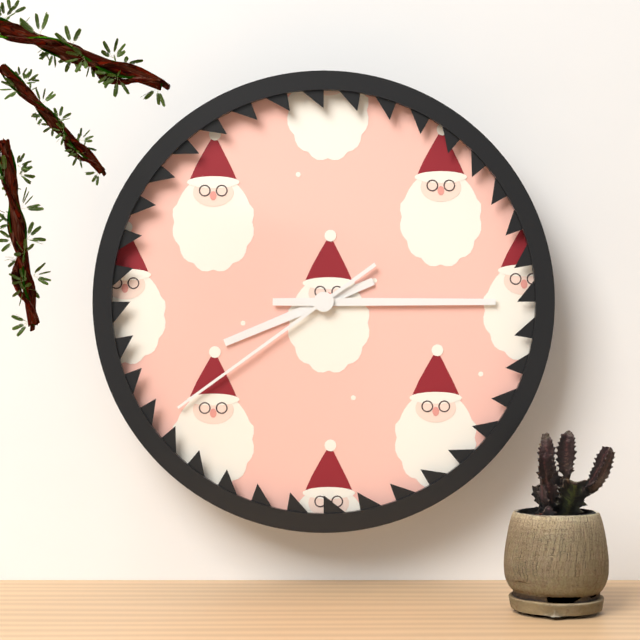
8:15:39
